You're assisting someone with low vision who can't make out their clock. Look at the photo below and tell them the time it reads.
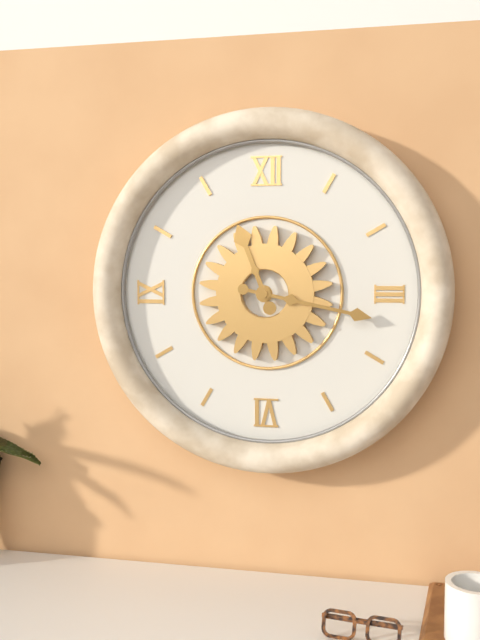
11:17
